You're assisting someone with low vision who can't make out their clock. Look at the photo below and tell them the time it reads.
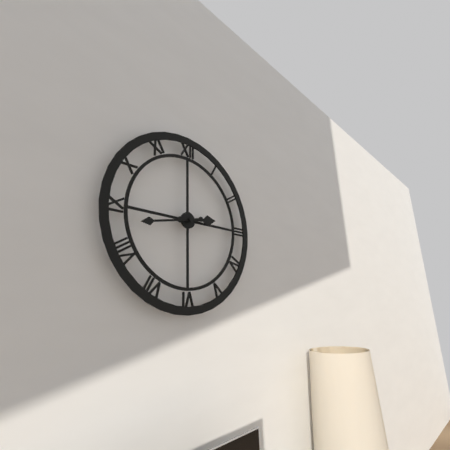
2:43
